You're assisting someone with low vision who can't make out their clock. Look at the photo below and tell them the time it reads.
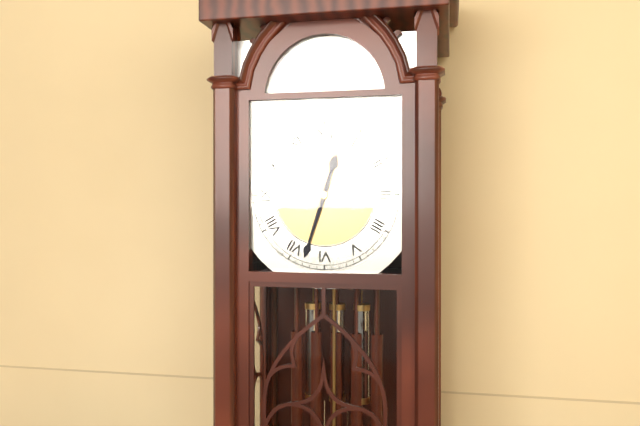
12:33
